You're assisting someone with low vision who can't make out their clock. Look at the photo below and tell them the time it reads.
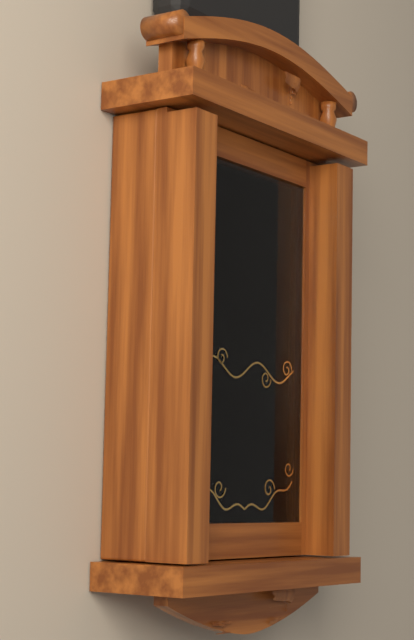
5:27
